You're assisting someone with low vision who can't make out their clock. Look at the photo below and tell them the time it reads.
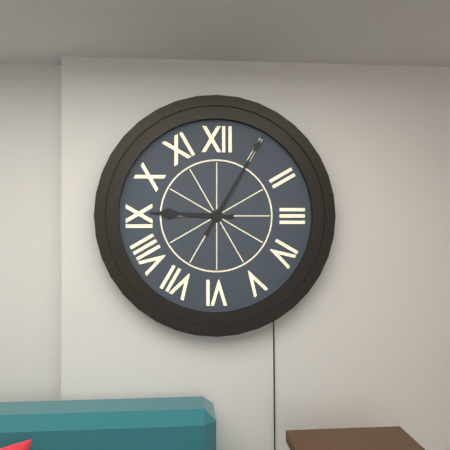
9:05
